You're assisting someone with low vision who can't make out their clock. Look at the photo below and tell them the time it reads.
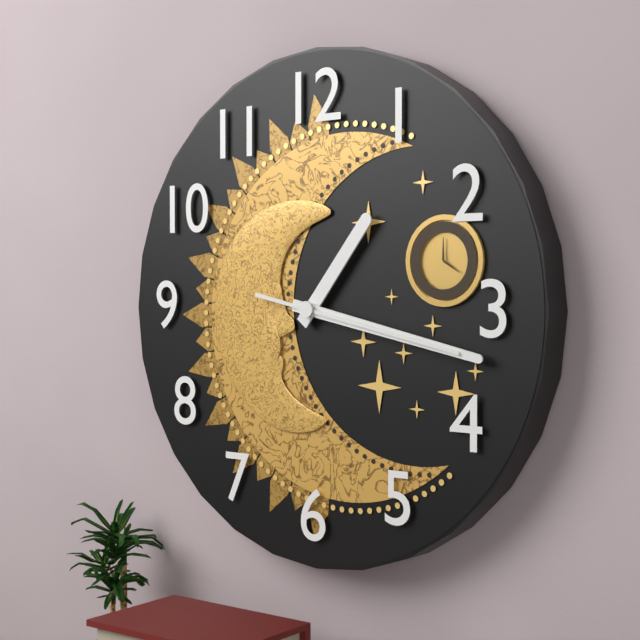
1:17:17
